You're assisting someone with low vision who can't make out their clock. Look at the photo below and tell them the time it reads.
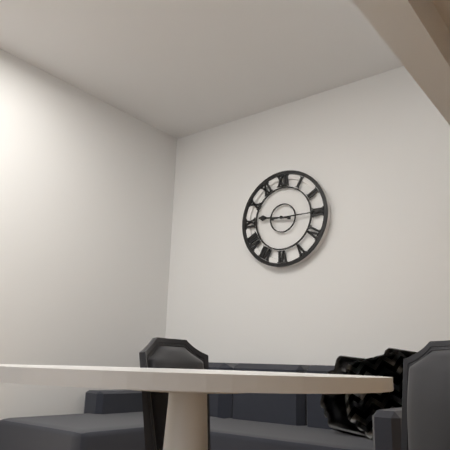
9:15
